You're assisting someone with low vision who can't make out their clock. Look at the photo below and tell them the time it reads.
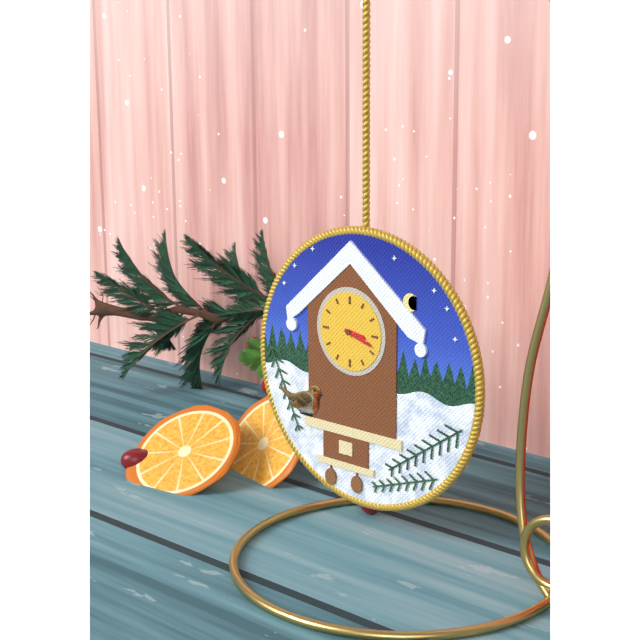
3:18
